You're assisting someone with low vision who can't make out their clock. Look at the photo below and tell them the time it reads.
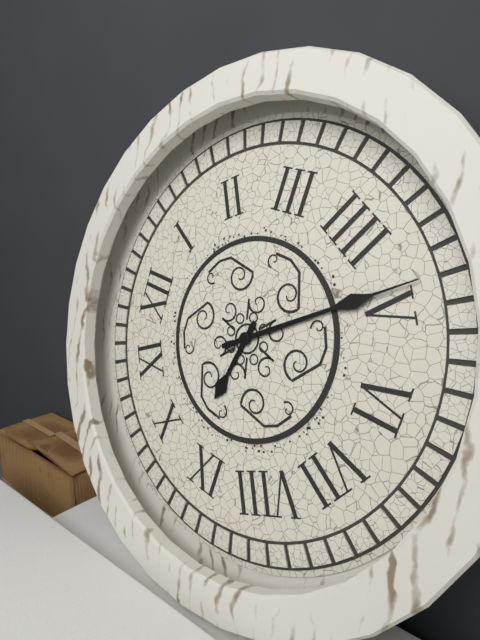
9:24
